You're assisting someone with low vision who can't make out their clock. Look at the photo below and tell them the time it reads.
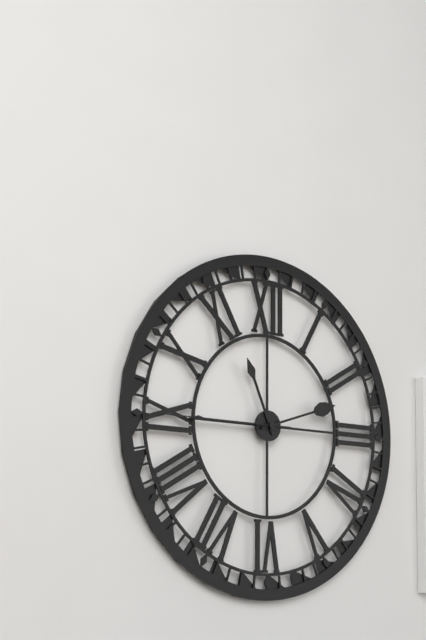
11:12:45
